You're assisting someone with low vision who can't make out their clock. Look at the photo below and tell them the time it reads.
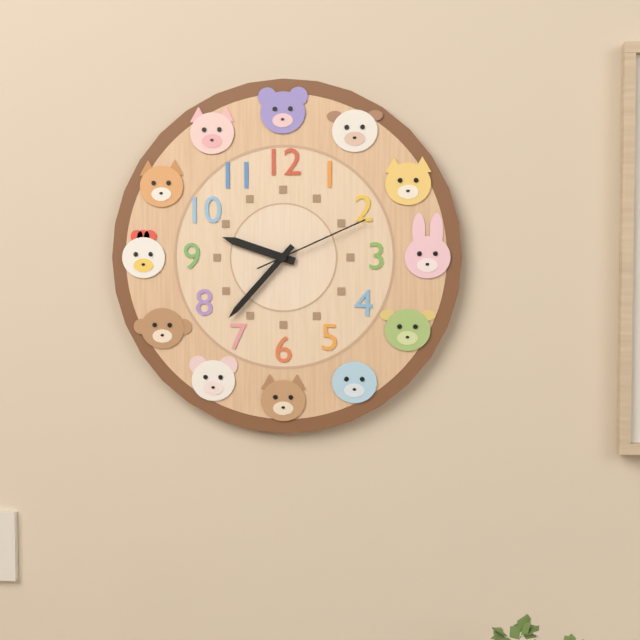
9:37:11
